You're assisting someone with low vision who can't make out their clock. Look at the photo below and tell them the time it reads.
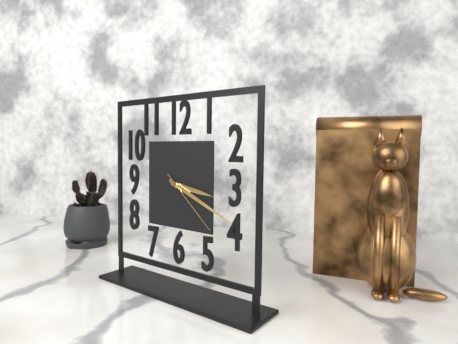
3:19:22
